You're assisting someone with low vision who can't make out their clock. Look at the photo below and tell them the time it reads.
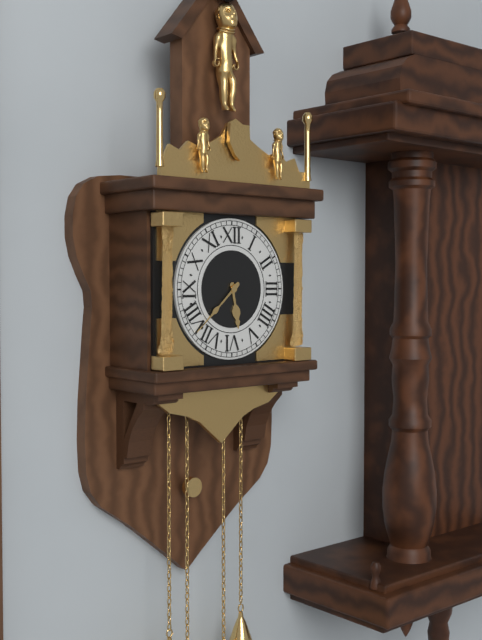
5:38
